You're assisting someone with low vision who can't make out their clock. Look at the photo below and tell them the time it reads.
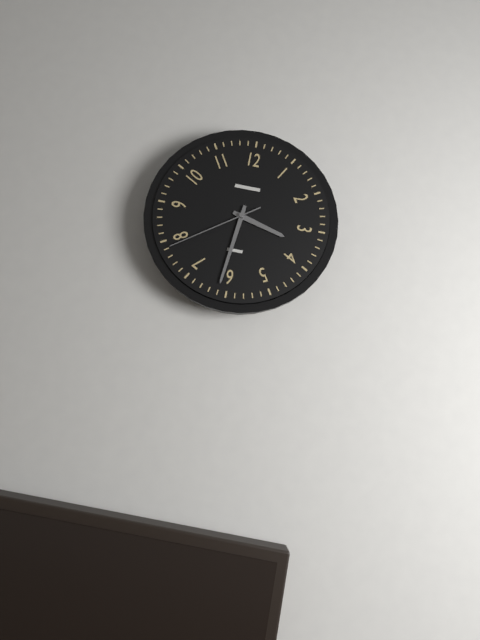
3:31:39
